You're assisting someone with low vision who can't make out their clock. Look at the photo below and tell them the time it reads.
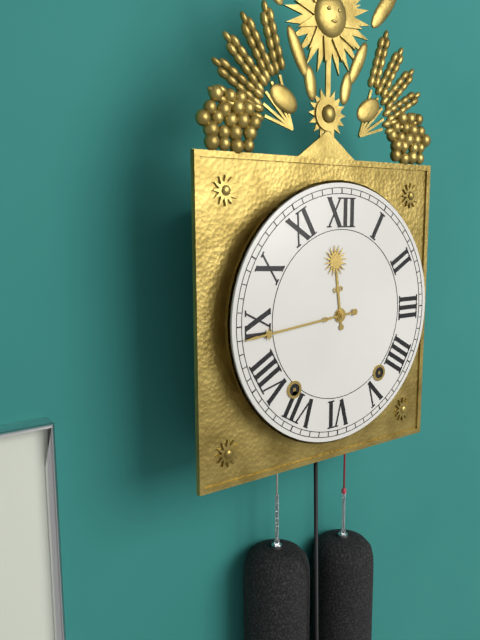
11:44
